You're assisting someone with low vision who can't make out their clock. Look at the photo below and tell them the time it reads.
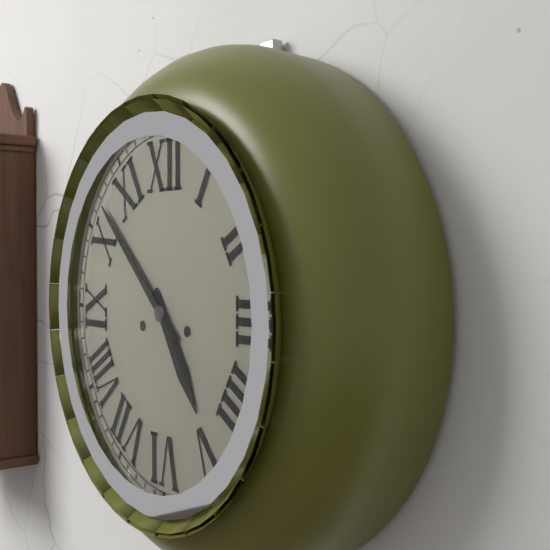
4:52
